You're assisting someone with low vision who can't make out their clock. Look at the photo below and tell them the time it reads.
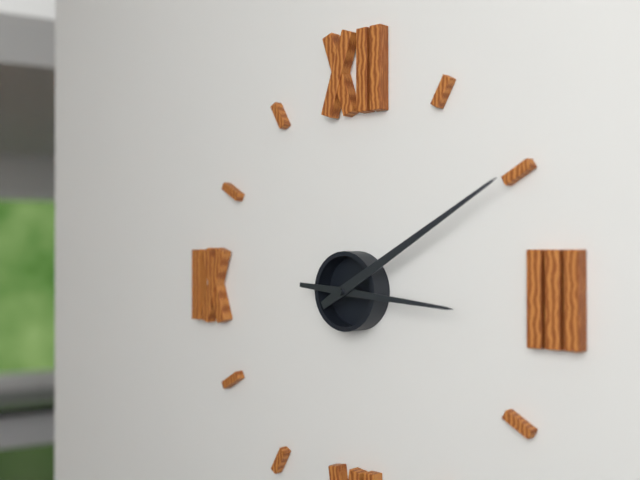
3:10
